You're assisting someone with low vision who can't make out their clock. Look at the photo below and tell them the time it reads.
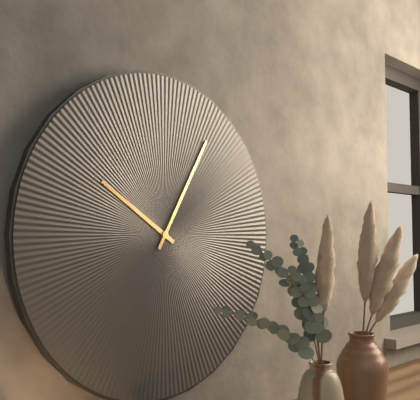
10:05
